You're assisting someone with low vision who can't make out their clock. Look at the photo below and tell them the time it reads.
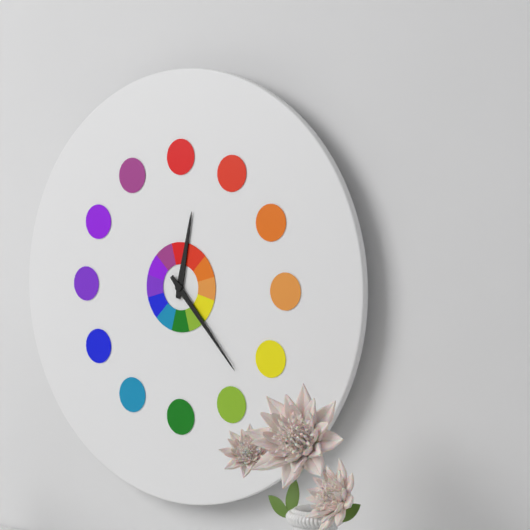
12:23
